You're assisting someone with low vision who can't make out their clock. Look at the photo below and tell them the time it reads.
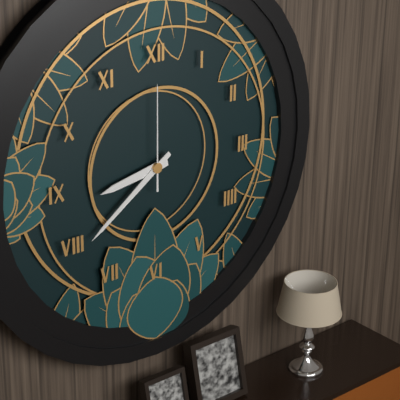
8:39:00
